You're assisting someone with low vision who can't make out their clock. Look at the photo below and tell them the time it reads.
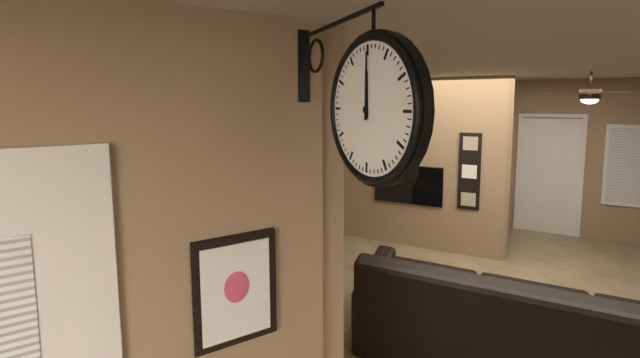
12:00
